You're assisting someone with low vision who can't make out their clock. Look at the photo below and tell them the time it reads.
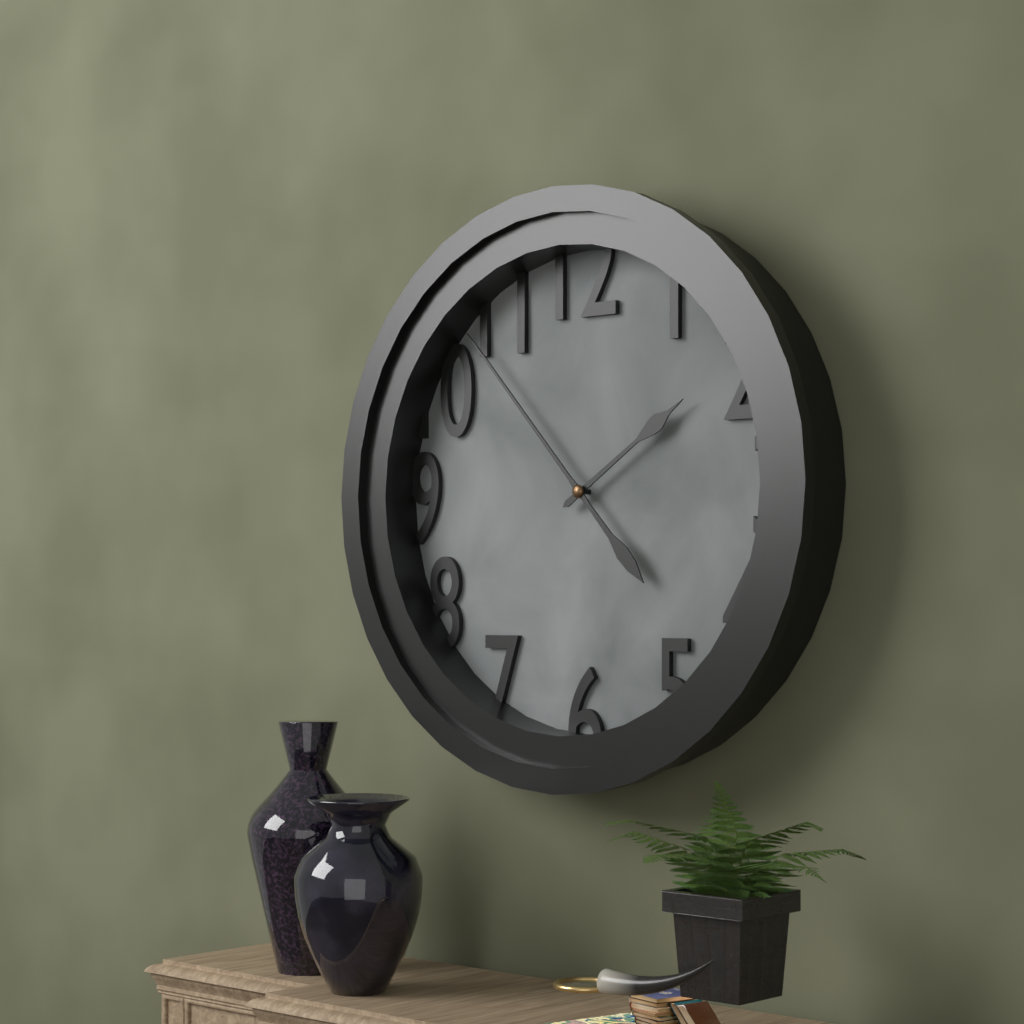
1:53
